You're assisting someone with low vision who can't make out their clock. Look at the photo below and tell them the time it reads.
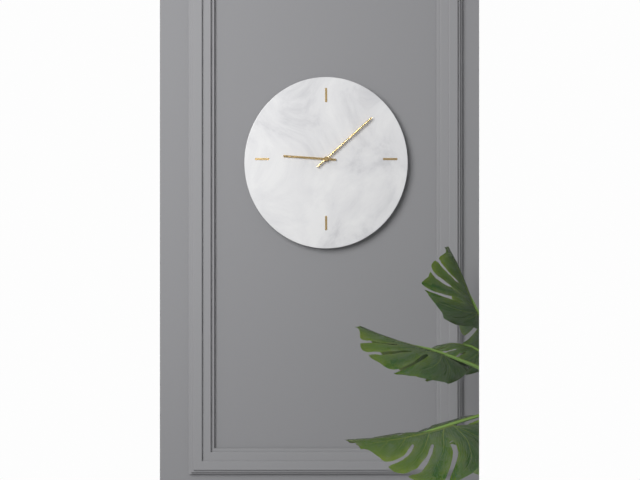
9:08
